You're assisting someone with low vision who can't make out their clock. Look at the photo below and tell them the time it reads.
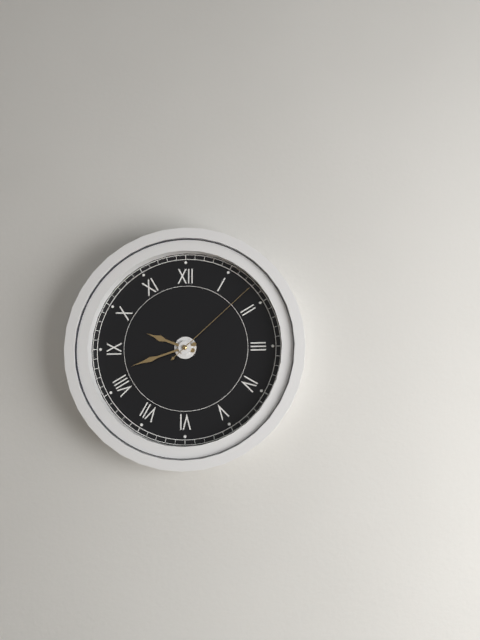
9:42:08
